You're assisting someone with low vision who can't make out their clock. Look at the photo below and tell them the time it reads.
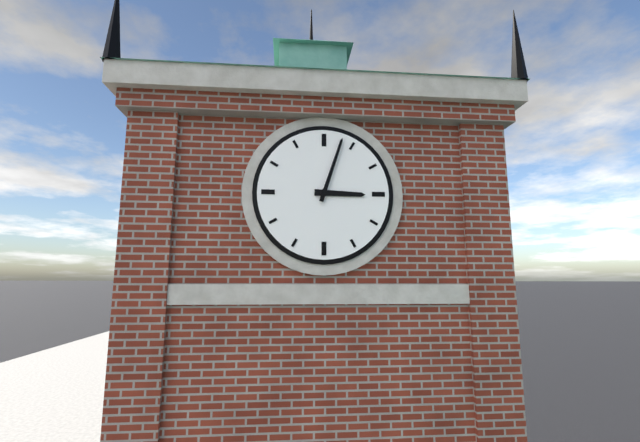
3:03
